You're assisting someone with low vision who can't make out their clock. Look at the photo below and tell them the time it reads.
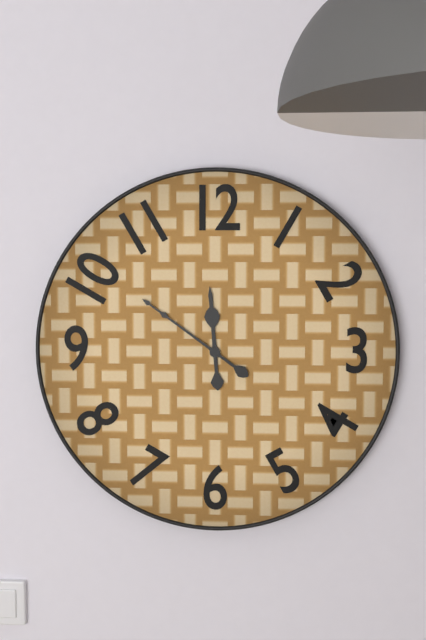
11:51
